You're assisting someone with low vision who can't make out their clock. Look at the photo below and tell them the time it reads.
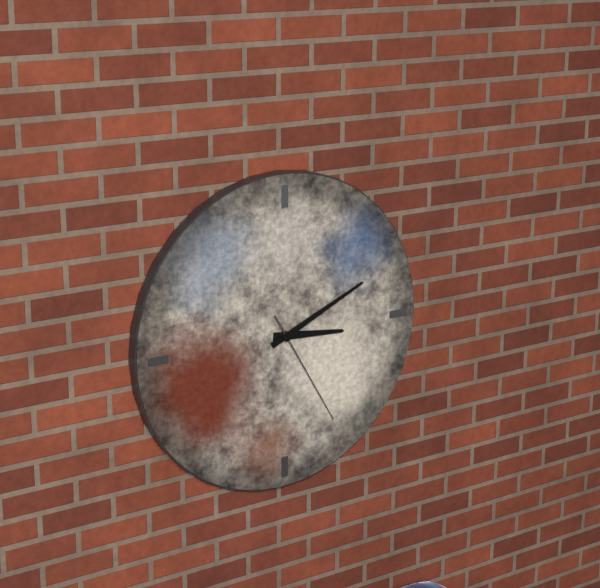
3:11:25
